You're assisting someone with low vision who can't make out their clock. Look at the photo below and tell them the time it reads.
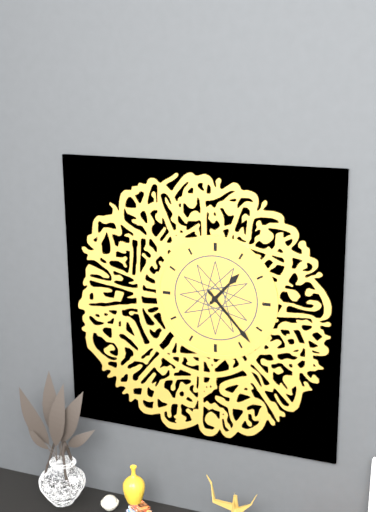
1:23
